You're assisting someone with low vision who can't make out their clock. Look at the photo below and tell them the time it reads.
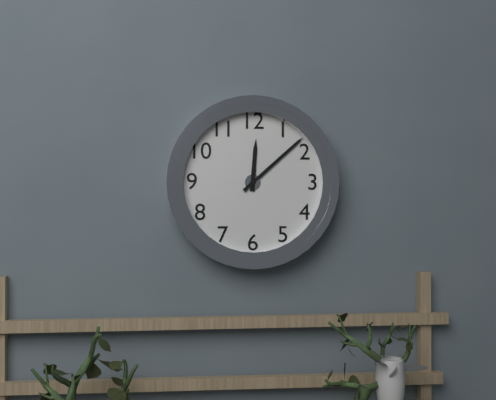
12:08
